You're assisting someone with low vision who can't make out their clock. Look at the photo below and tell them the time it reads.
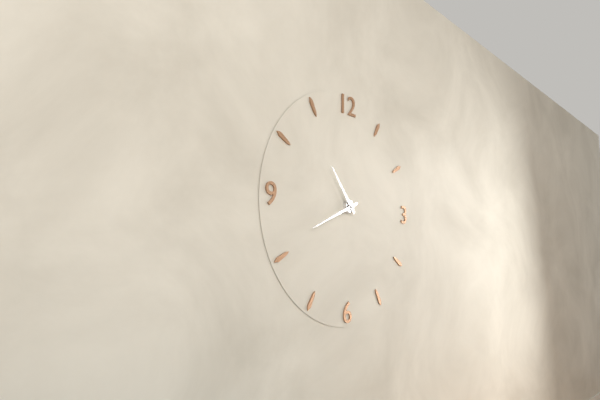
10:41
